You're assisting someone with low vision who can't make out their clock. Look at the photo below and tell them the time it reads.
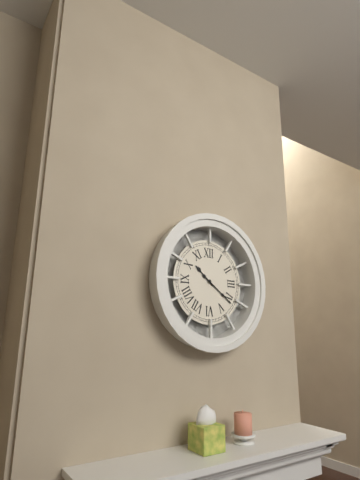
10:21
